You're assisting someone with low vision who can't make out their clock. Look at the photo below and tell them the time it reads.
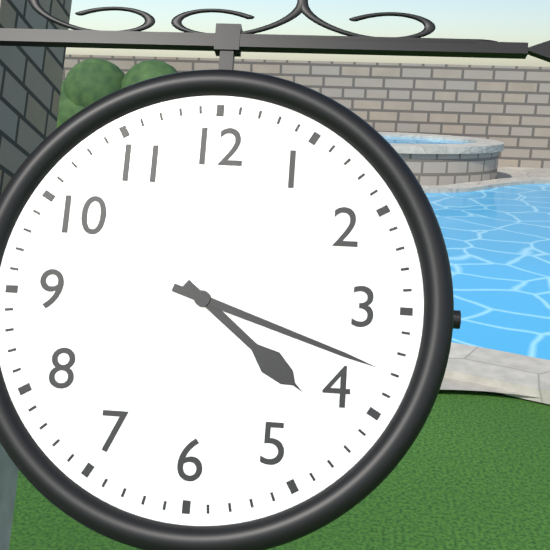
4:18
